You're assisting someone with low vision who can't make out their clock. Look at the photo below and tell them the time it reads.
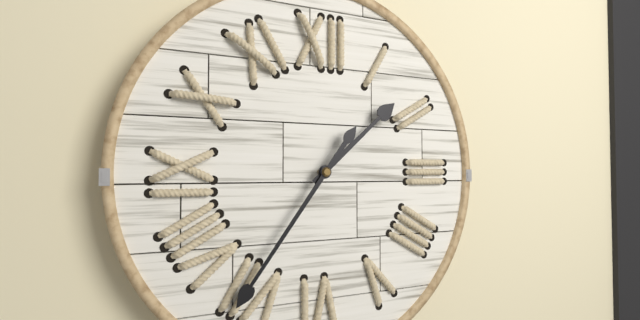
1:36
